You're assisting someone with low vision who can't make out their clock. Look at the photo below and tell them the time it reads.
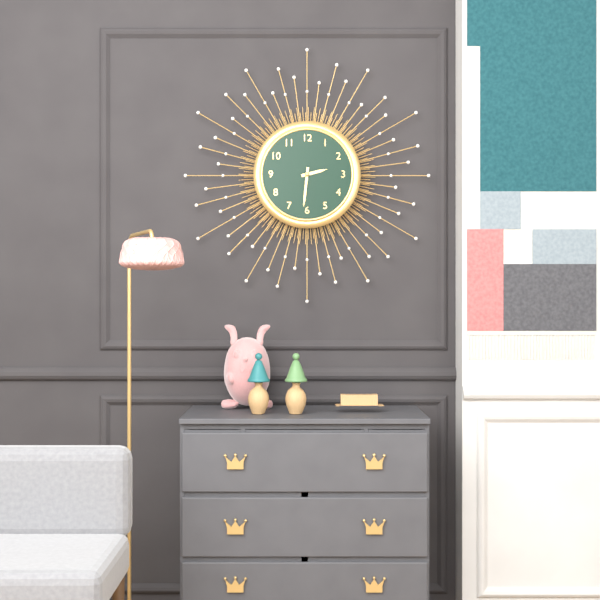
2:31
